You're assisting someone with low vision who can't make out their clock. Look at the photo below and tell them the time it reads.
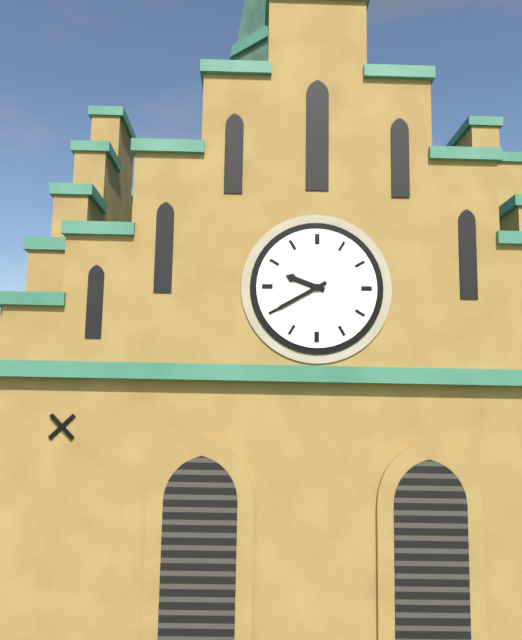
9:40
